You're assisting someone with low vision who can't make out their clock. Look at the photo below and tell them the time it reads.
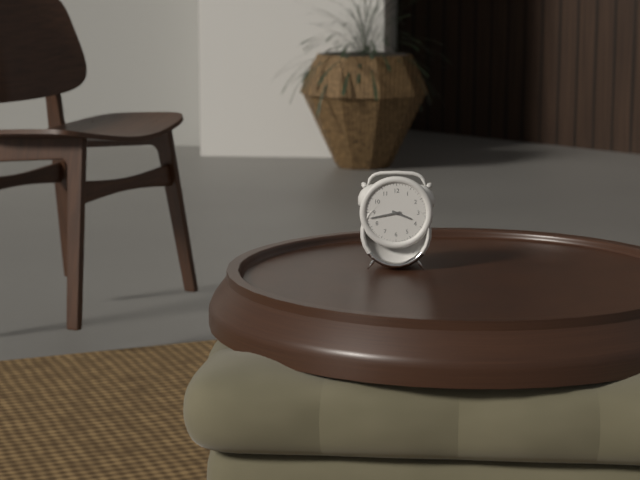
3:43
